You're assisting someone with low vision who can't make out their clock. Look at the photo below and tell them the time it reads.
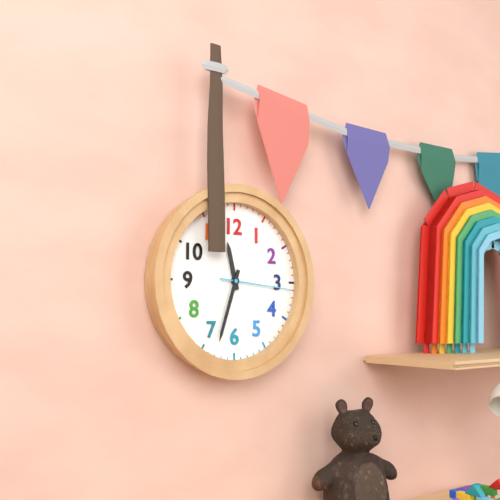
11:33:16
